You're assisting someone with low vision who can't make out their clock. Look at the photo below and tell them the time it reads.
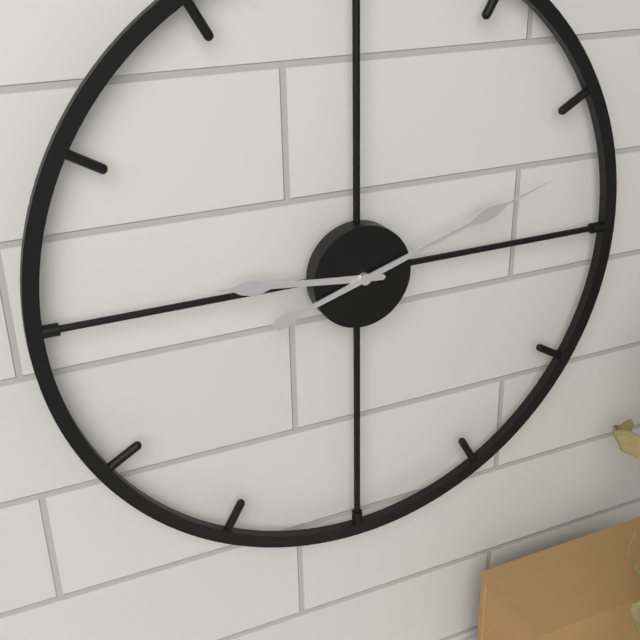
9:12
